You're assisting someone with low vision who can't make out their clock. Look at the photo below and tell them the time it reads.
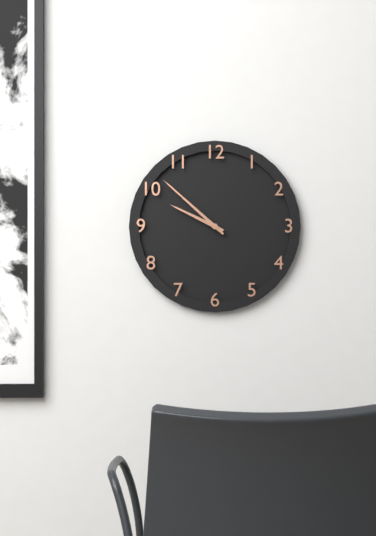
9:52
